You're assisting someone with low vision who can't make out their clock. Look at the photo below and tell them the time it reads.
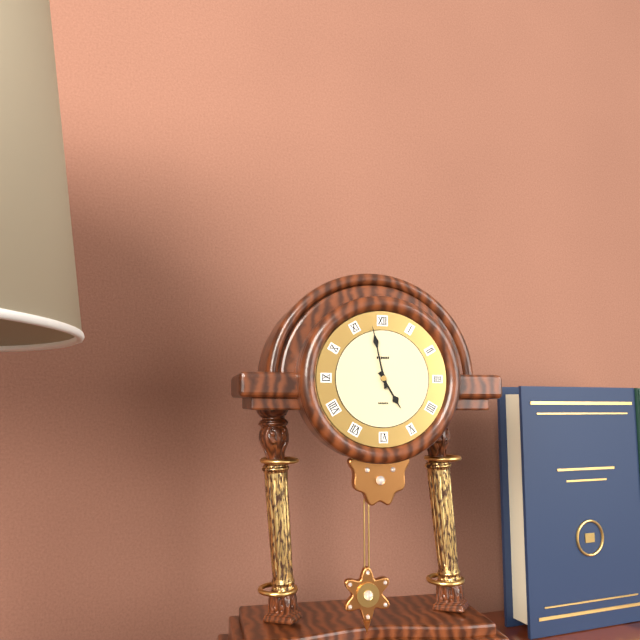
4:58
